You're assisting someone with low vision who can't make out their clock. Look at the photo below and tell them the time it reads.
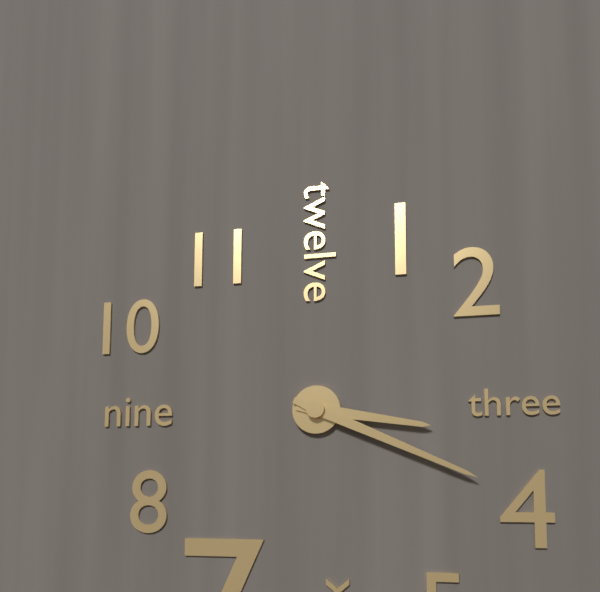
3:19
